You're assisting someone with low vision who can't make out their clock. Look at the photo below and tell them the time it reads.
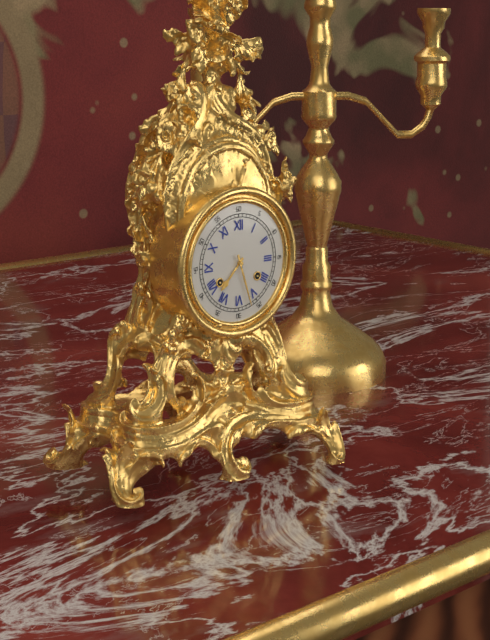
7:27
